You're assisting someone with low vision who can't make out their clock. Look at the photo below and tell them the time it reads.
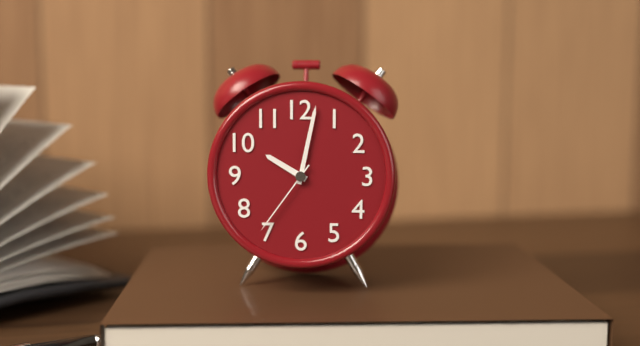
10:02:36
